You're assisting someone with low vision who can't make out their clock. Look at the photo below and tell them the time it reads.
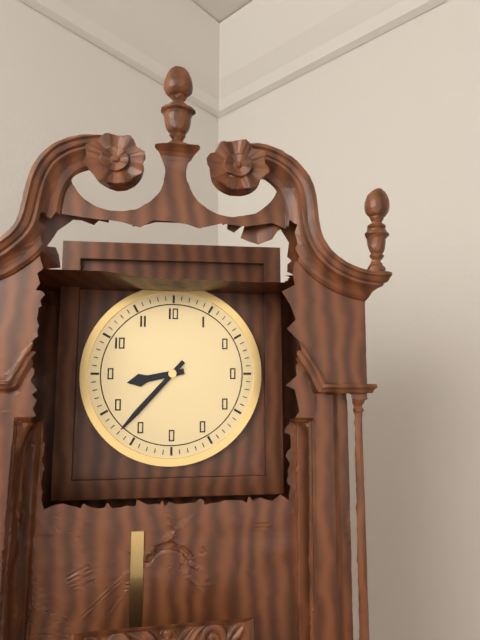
8:37
